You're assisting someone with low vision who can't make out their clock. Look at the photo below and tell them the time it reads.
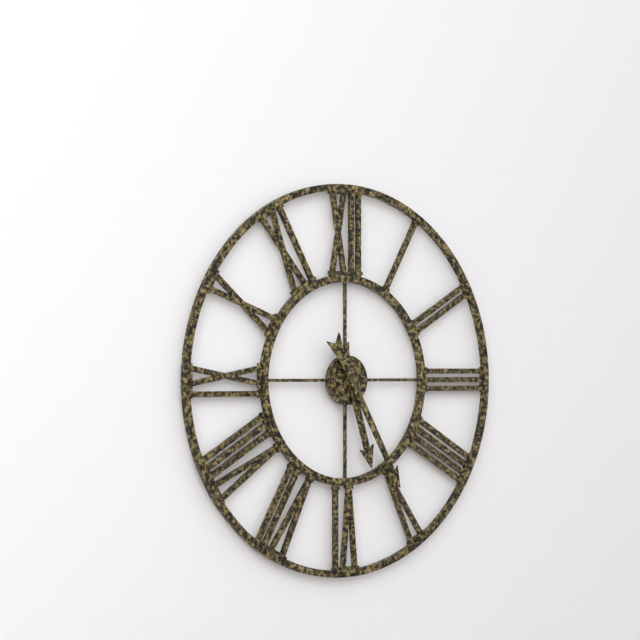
5:25
